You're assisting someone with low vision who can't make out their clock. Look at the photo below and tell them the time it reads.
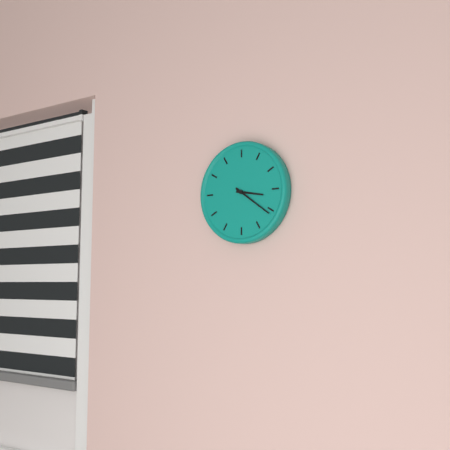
3:21
